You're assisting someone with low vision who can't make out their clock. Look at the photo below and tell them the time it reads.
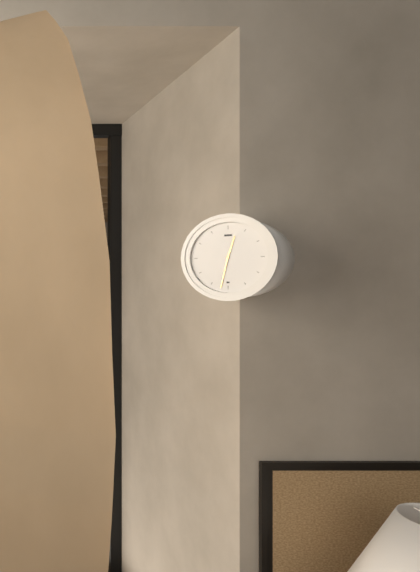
12:32
